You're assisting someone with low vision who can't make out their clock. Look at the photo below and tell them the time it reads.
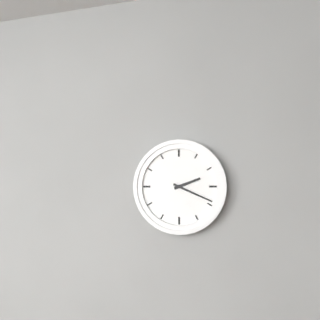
2:19
